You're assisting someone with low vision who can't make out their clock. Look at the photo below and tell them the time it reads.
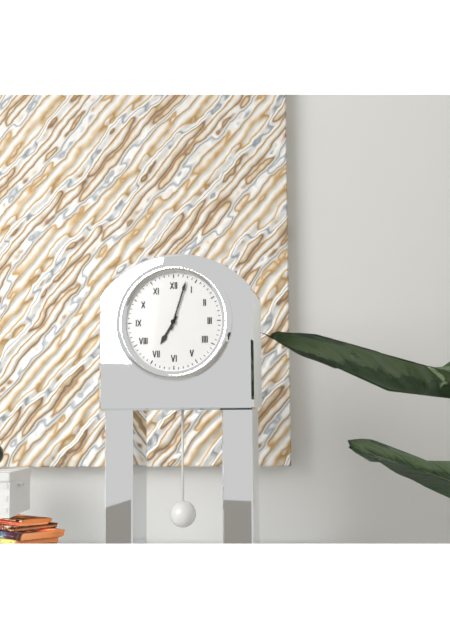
7:03
